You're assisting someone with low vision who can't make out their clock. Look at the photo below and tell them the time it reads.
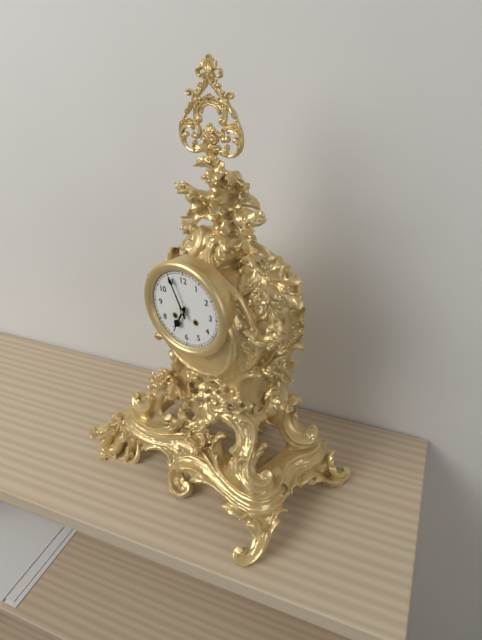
6:56
